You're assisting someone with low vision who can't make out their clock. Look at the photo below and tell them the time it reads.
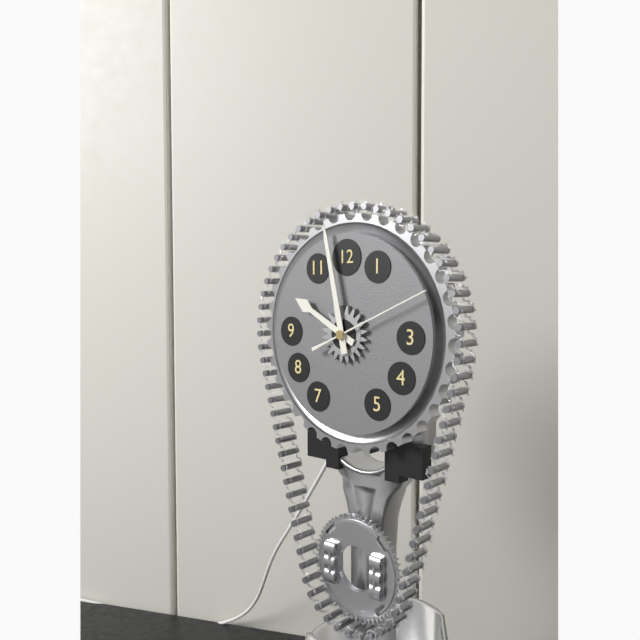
9:58:11
